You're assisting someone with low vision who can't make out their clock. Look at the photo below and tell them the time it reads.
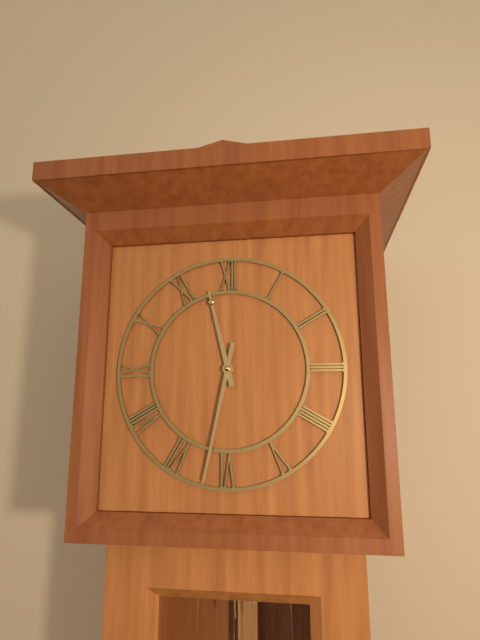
11:32
